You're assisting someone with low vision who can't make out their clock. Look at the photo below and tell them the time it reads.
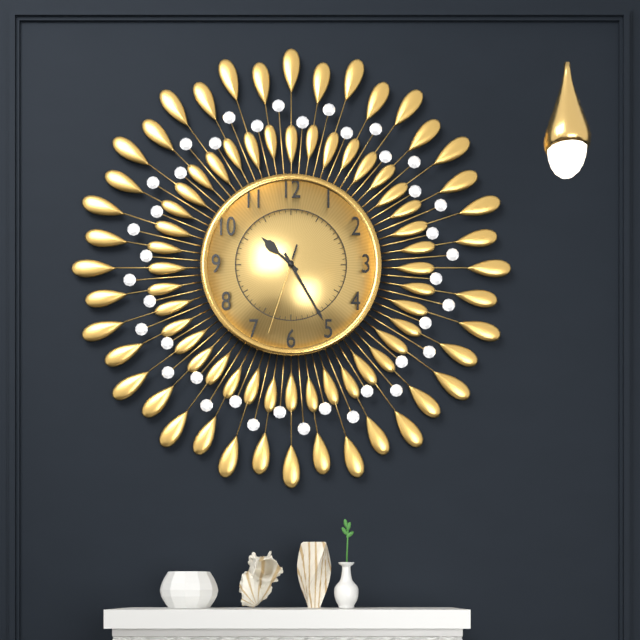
10:25:33
